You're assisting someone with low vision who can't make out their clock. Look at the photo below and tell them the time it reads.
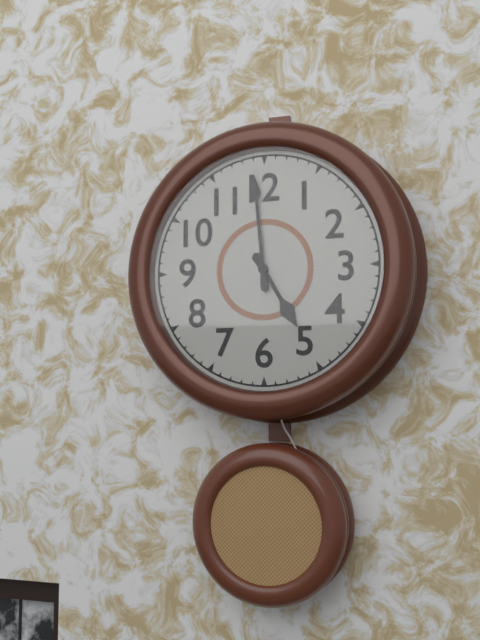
4:59
